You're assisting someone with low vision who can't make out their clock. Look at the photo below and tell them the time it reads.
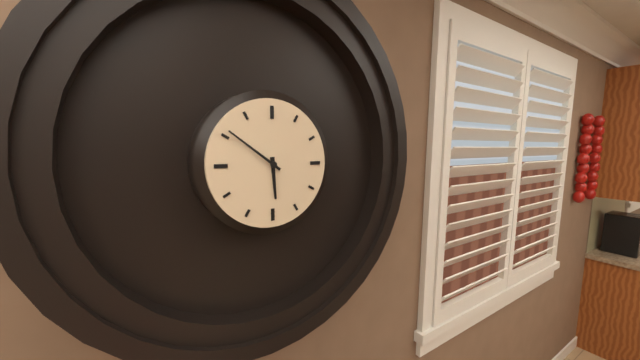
5:51
